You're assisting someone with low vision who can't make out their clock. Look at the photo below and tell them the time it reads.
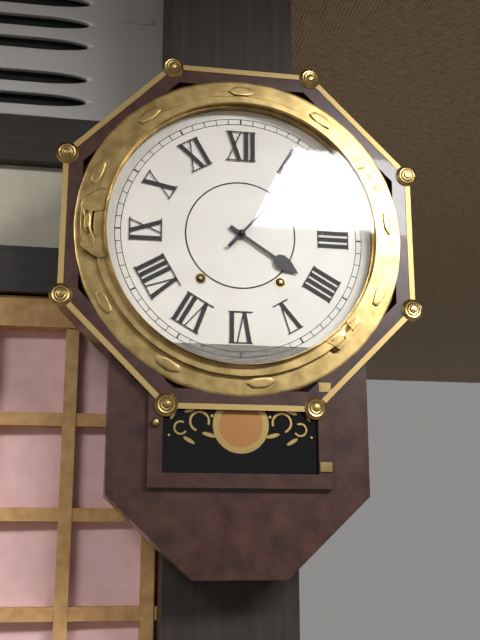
4:07
